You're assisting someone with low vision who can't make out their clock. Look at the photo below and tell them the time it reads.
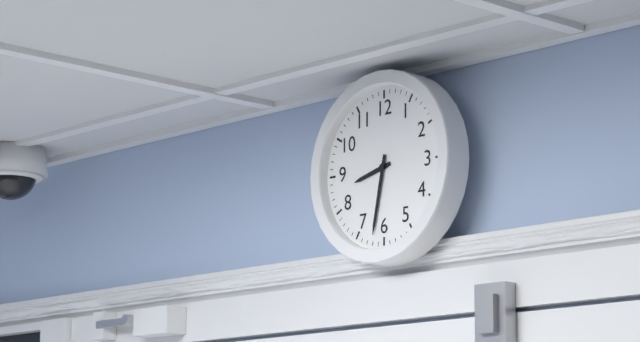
8:32
